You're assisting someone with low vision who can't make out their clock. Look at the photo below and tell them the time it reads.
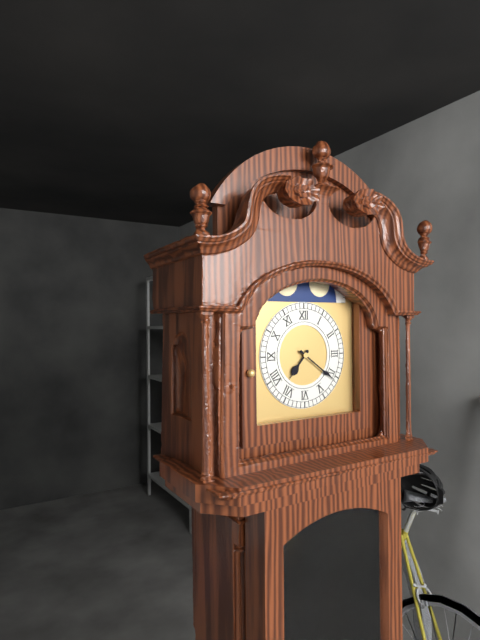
7:21
